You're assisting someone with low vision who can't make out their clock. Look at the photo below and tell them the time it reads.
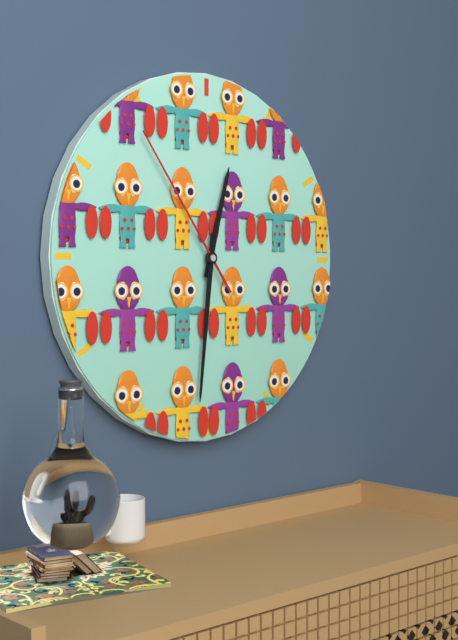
12:31:54
